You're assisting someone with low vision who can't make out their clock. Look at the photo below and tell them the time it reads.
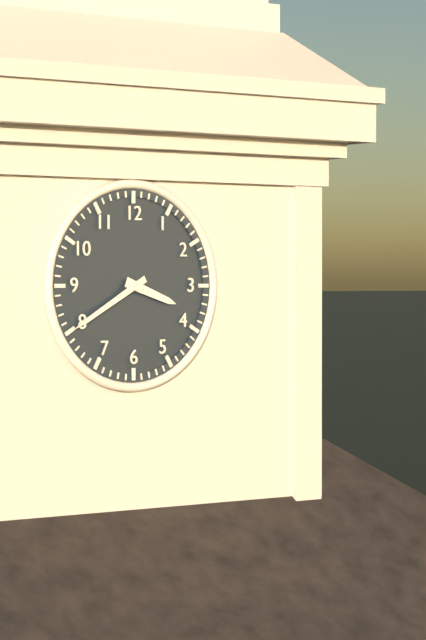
3:40
